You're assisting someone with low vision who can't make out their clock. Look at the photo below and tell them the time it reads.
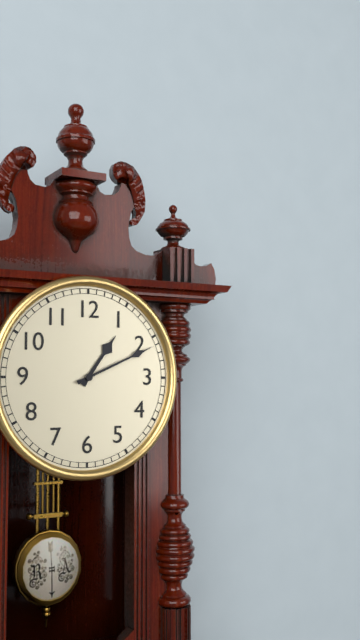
1:11
